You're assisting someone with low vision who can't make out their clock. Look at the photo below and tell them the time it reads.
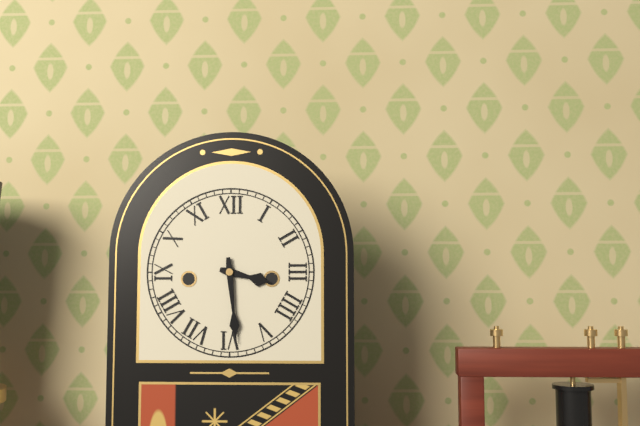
3:29
